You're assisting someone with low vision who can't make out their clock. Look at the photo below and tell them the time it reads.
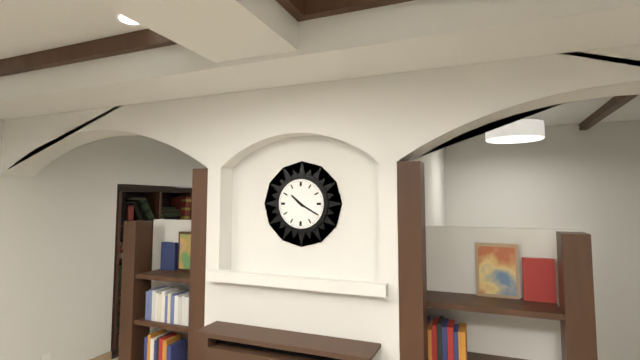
10:20
